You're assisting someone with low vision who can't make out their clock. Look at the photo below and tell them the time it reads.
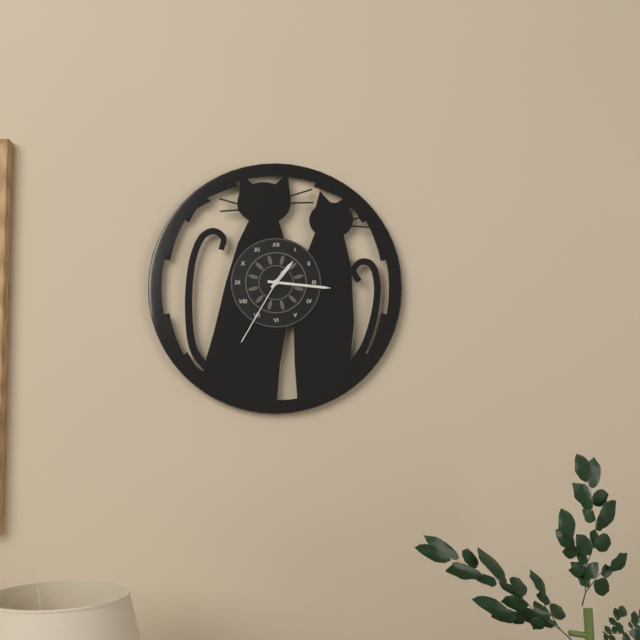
1:16:35
